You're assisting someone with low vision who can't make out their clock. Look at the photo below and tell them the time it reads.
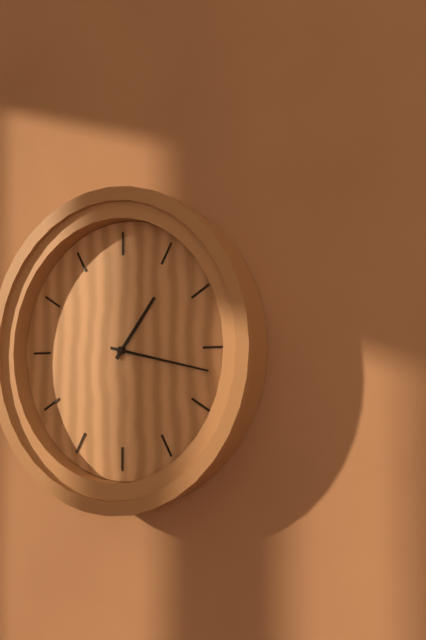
1:17
